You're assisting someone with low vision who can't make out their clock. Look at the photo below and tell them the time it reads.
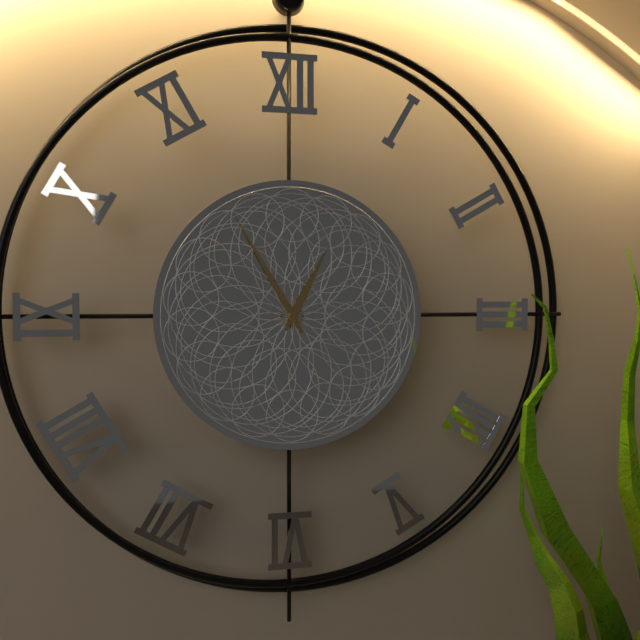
12:55
